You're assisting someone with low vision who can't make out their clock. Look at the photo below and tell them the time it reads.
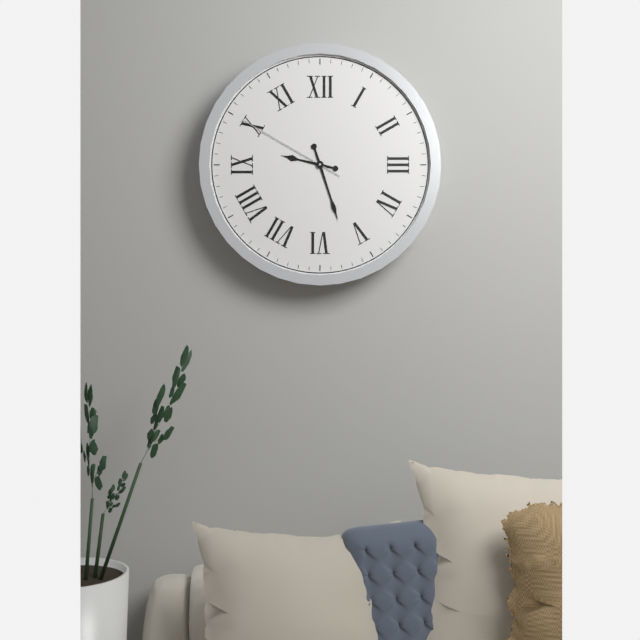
9:27:50
